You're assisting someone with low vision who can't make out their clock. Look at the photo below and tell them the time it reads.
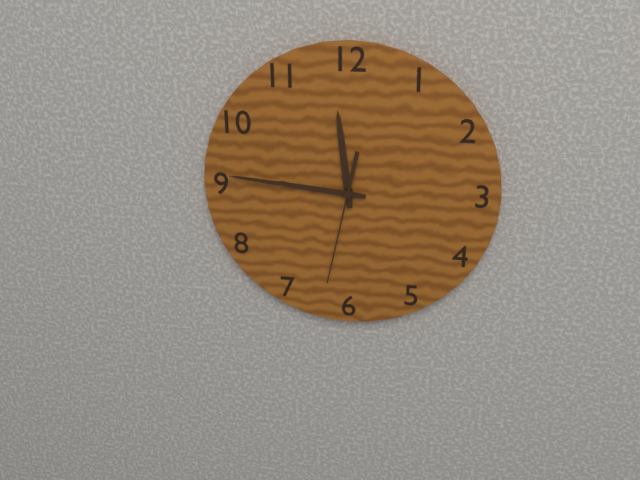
11:46:32
